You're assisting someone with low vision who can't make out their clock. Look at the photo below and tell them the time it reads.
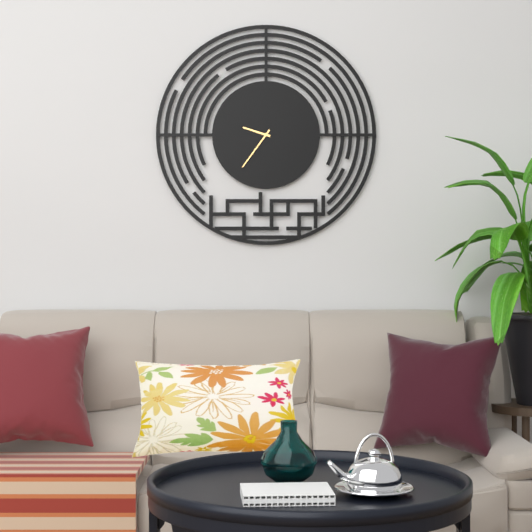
9:36
